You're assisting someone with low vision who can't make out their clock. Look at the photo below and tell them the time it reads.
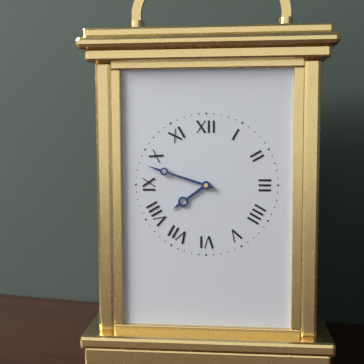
7:48
